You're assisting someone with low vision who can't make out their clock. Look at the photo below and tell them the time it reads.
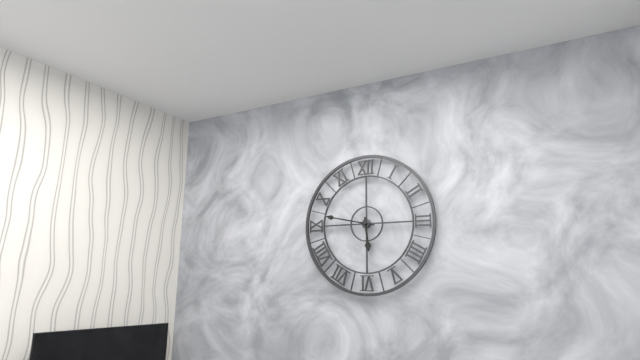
5:47
